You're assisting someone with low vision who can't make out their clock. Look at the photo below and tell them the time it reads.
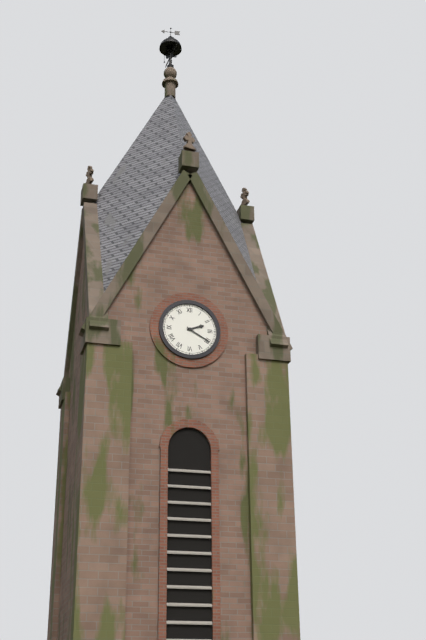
2:20
